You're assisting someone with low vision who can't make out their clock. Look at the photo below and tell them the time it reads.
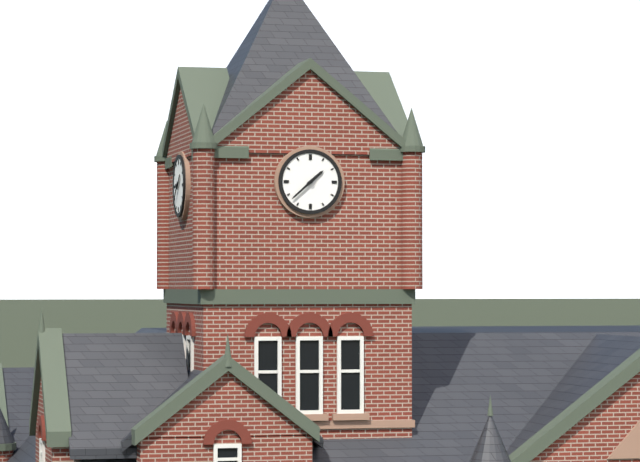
1:38
